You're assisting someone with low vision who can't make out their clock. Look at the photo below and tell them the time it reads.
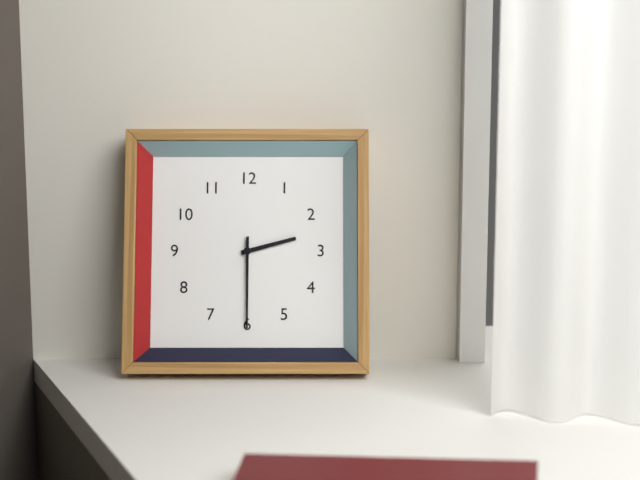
2:30
